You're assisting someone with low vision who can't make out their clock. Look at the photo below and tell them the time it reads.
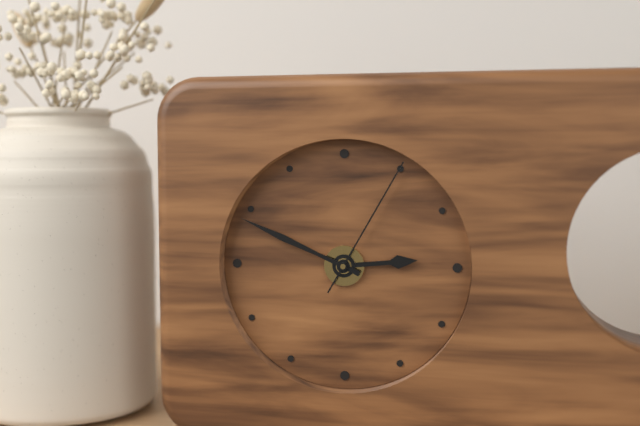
2:49:05
